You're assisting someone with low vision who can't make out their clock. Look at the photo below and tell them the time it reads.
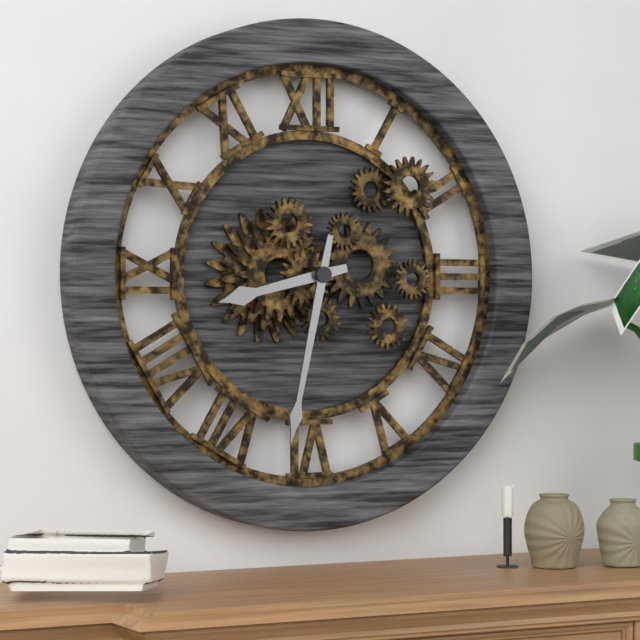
8:32
